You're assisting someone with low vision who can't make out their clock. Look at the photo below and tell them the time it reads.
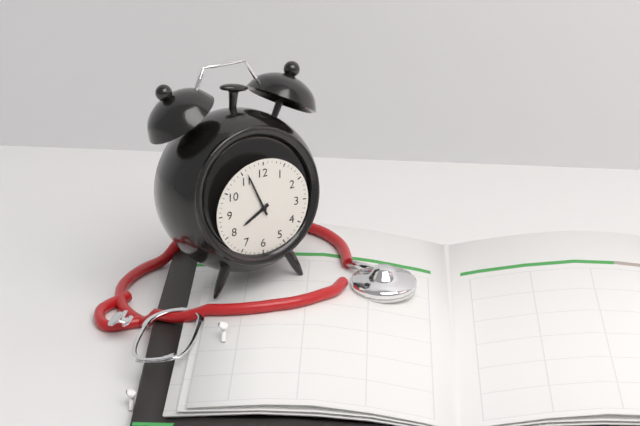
7:56
